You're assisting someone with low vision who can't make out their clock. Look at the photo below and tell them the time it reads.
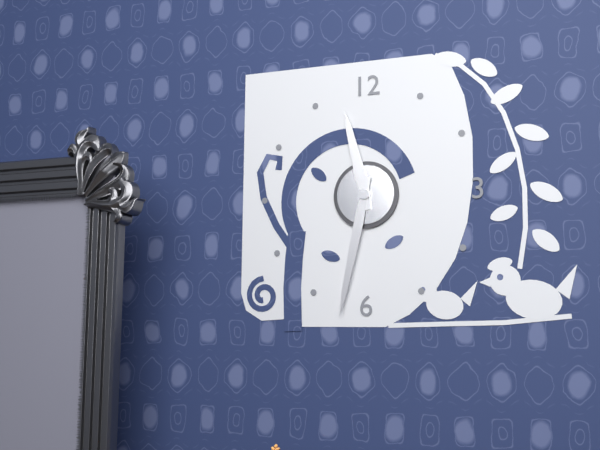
11:32
